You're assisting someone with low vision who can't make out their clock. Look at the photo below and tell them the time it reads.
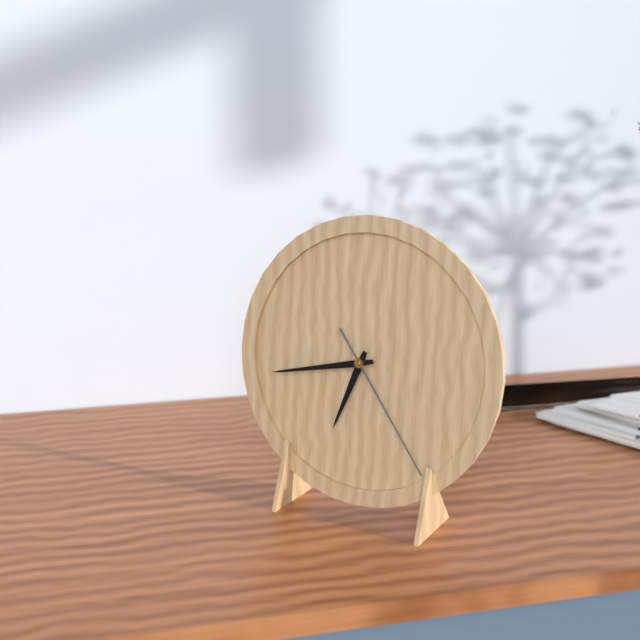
6:43:24
